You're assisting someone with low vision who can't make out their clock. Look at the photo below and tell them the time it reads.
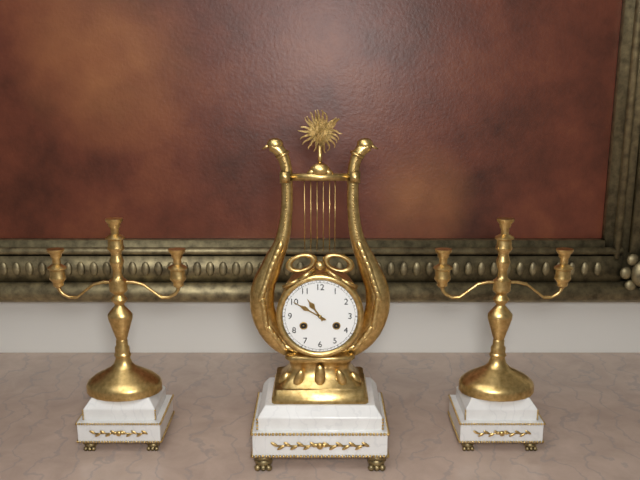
10:50
